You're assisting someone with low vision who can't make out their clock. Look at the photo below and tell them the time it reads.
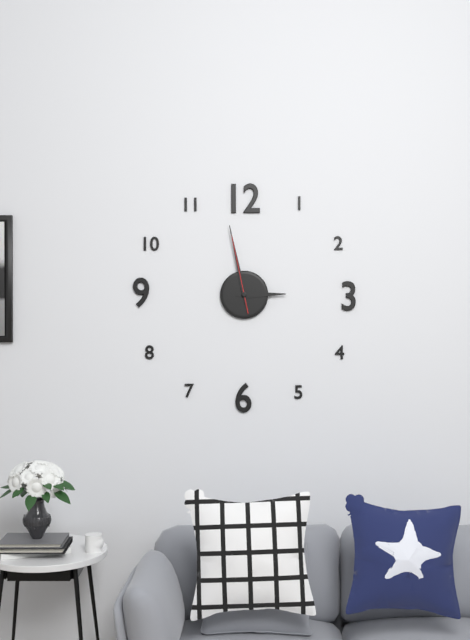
2:58:58
